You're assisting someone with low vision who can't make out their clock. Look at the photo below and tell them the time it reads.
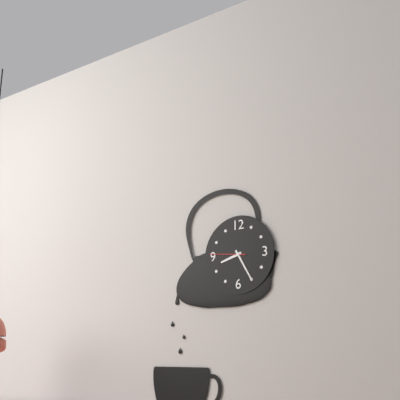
8:25
